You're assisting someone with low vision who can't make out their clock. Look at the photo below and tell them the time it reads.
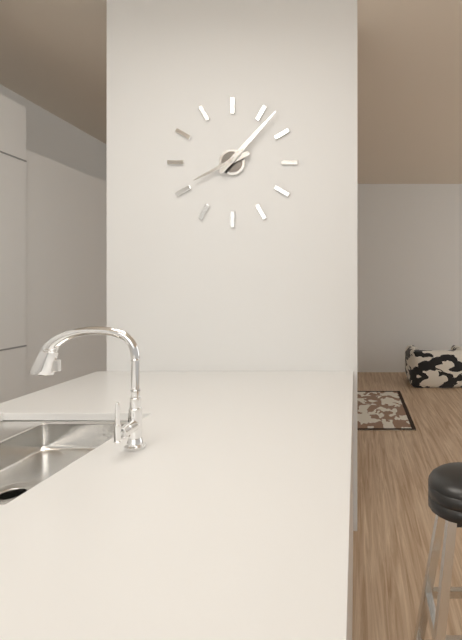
8:07
